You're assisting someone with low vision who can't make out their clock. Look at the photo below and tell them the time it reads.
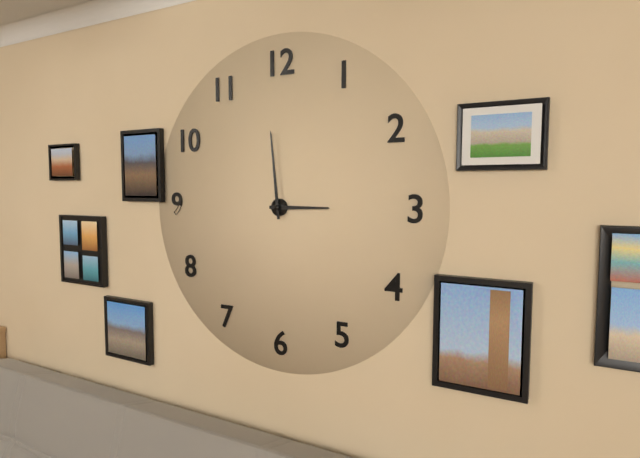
2:59
